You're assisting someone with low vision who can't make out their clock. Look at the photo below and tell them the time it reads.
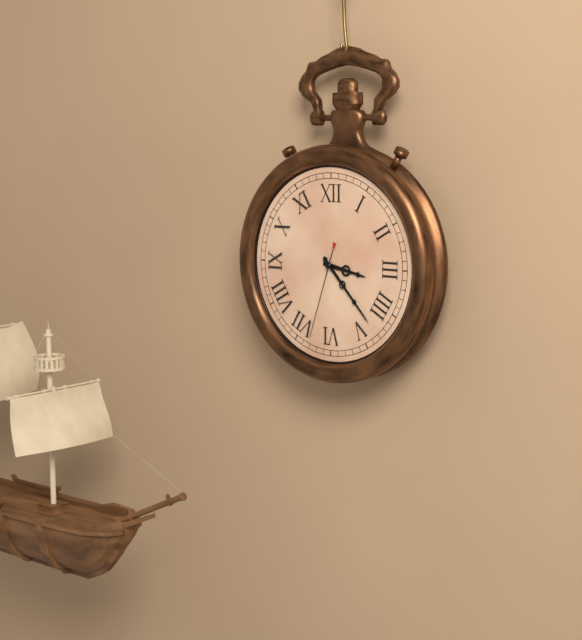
3:23:33
